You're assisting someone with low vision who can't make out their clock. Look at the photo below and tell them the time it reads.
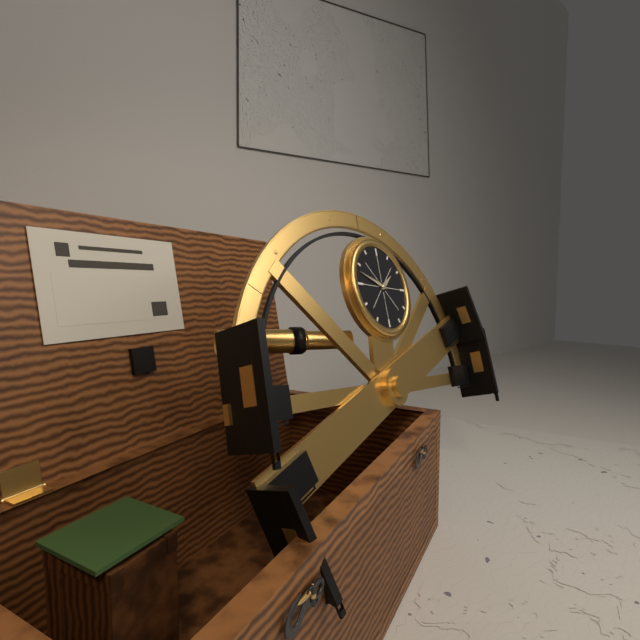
1:48
